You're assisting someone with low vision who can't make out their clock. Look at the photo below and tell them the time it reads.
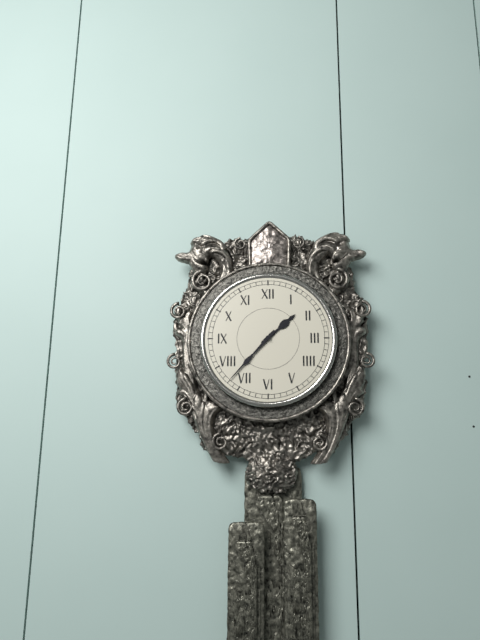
1:37
